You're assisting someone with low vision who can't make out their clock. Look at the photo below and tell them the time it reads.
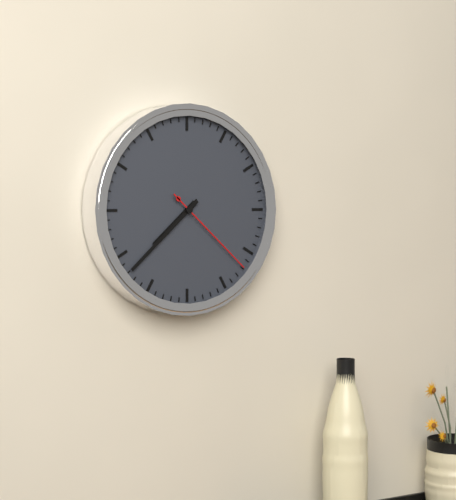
7:38:22
